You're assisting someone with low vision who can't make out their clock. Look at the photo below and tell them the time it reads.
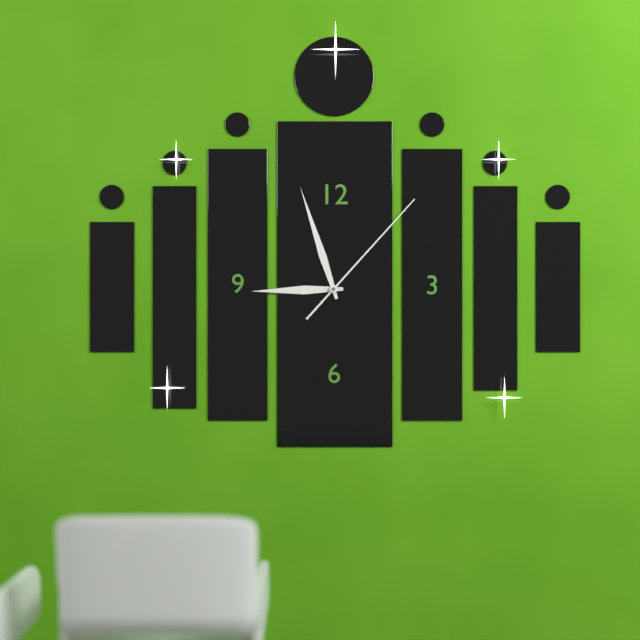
8:57:07
